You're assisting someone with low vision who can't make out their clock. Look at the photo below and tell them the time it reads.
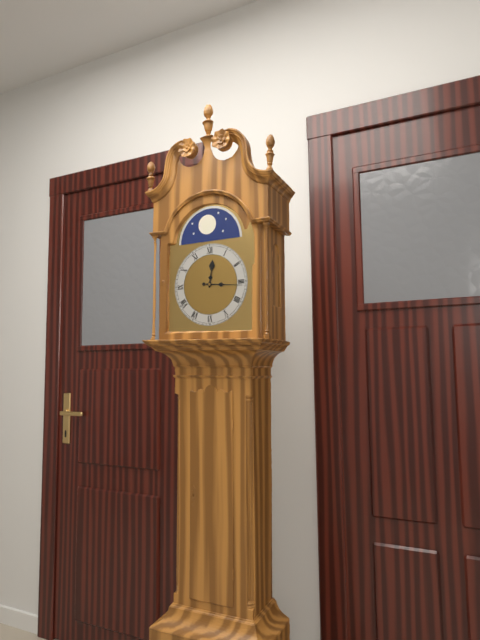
12:16
